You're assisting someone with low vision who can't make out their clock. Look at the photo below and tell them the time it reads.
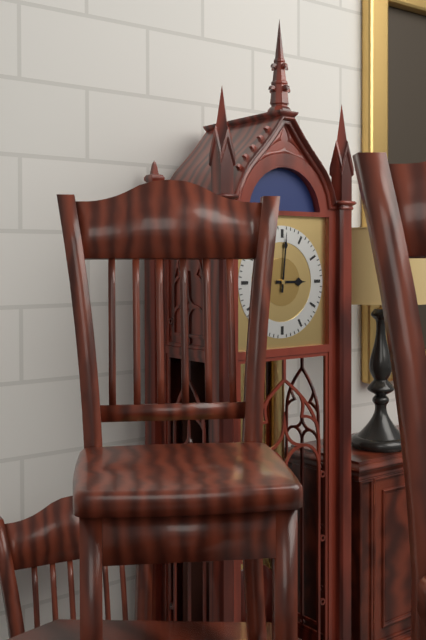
3:01
